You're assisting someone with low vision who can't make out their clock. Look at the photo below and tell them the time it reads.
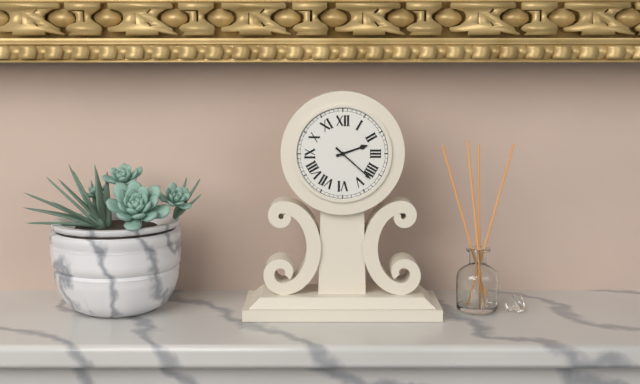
2:22
